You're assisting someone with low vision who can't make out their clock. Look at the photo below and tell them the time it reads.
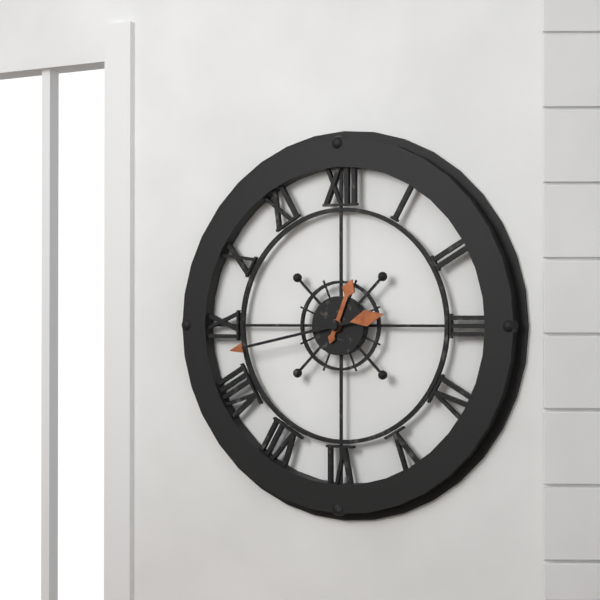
12:43
